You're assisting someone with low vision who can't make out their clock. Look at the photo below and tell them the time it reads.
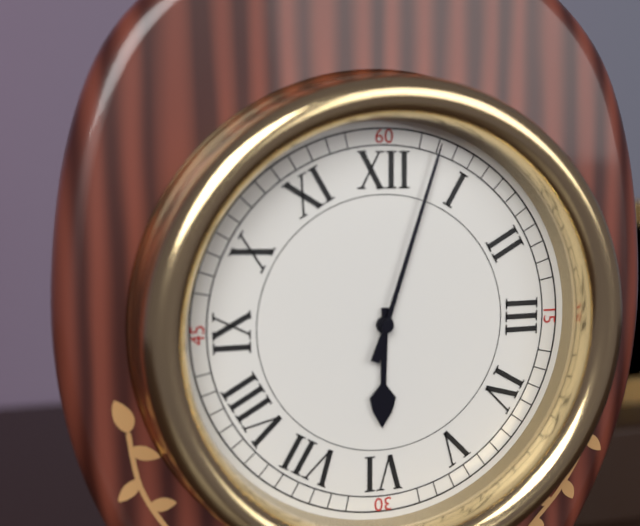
6:03
